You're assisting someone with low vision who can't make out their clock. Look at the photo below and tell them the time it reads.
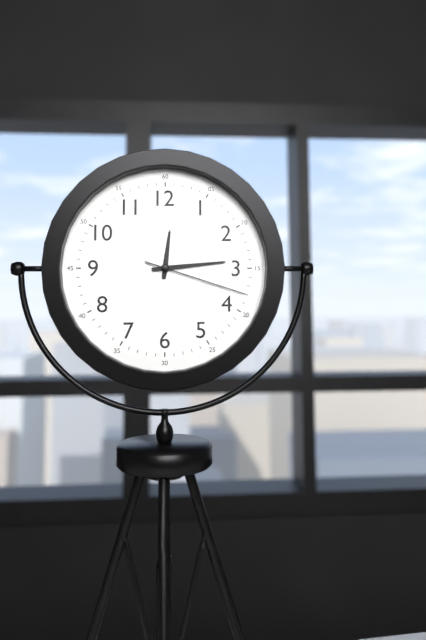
12:14:18
